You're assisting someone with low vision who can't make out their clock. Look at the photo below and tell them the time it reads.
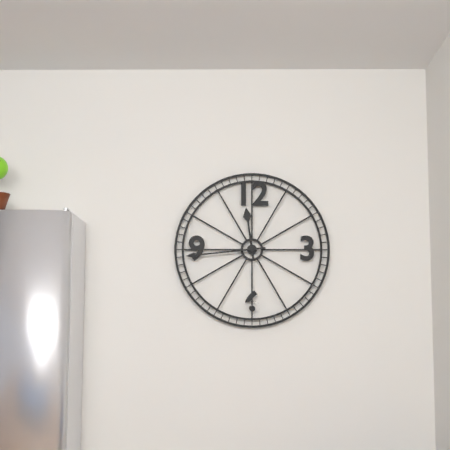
11:44
